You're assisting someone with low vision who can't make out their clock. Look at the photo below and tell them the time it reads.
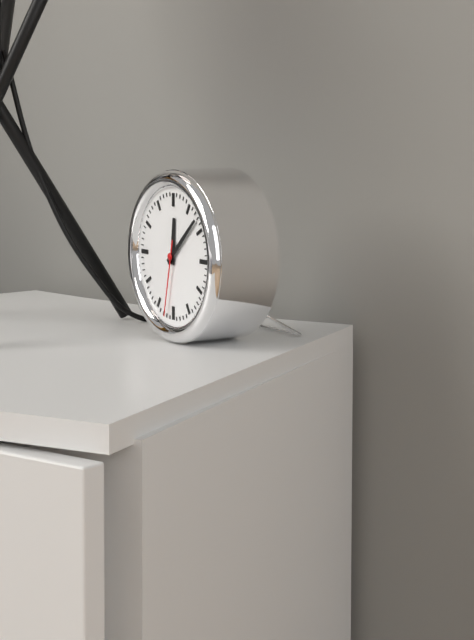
12:08:32
